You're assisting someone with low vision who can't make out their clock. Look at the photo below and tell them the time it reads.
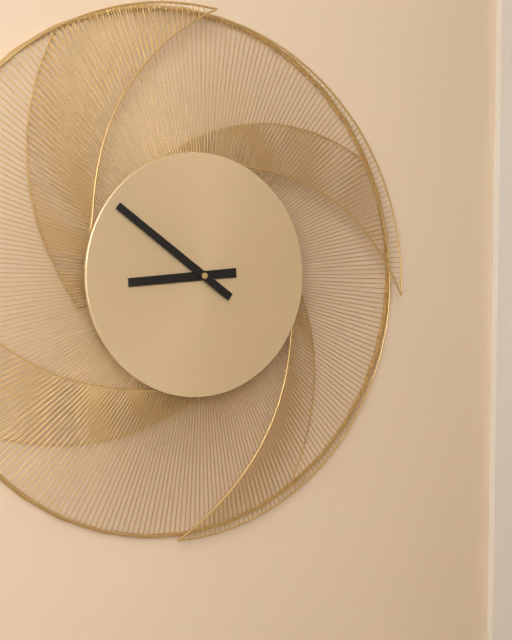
8:51
